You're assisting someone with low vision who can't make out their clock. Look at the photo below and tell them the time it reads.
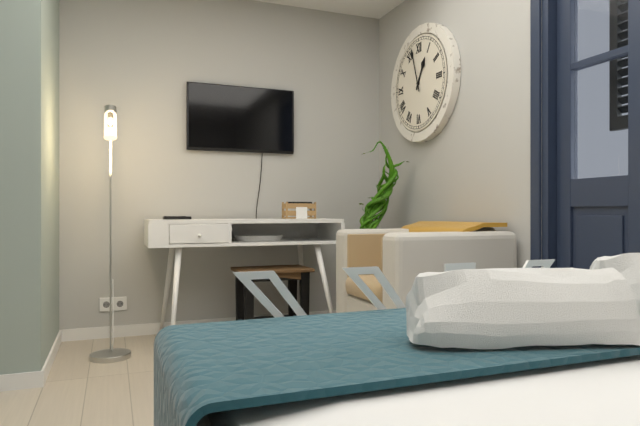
12:57
